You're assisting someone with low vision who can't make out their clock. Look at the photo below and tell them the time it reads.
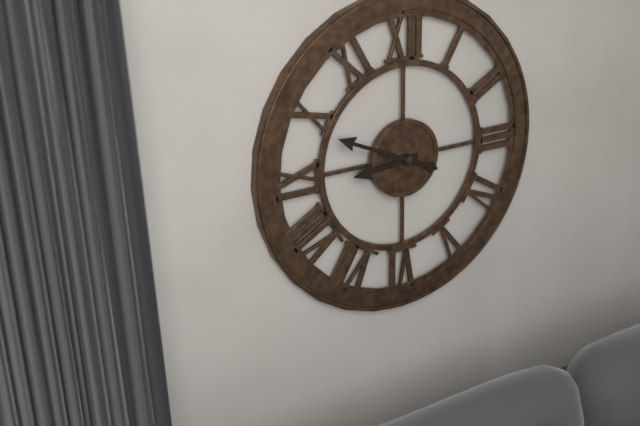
8:49
